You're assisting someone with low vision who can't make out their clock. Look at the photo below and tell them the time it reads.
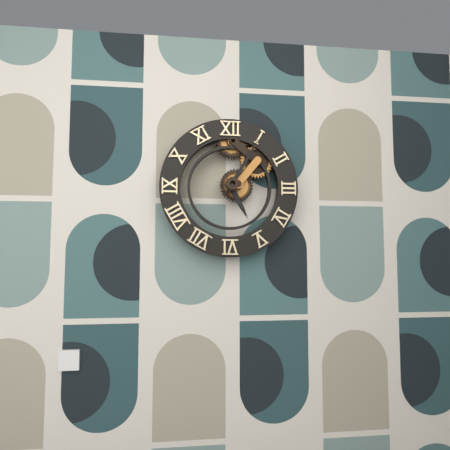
5:05
